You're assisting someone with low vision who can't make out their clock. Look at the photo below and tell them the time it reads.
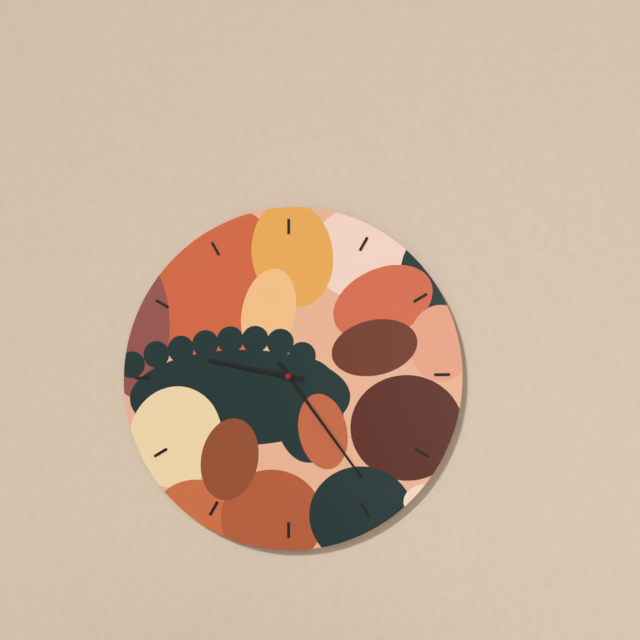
9:24
